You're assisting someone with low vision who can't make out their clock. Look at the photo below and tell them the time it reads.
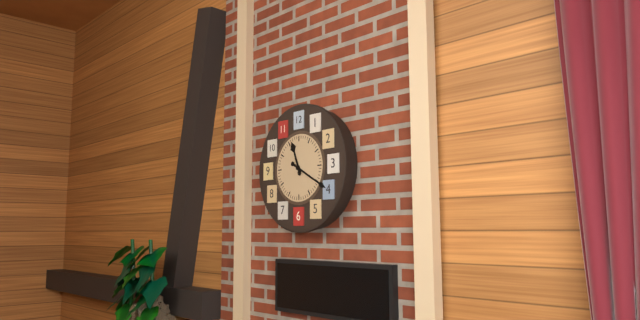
11:20
